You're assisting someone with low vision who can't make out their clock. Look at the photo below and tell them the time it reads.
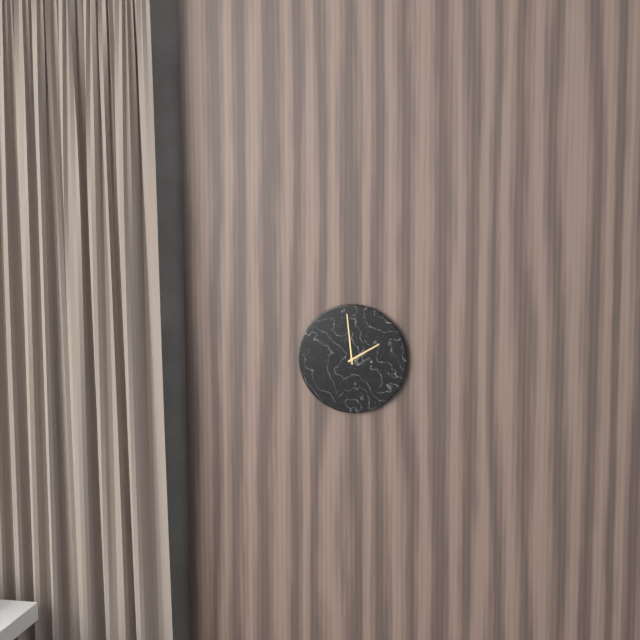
1:59
